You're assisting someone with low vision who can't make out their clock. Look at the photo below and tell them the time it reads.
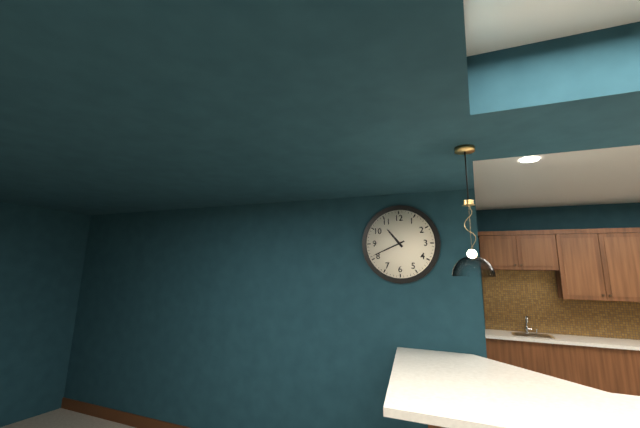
10:41
